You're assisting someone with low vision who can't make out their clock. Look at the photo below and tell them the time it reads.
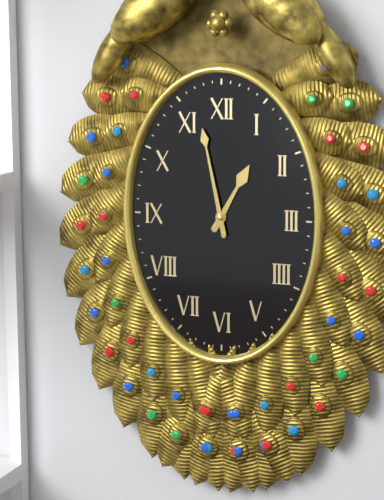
12:58
